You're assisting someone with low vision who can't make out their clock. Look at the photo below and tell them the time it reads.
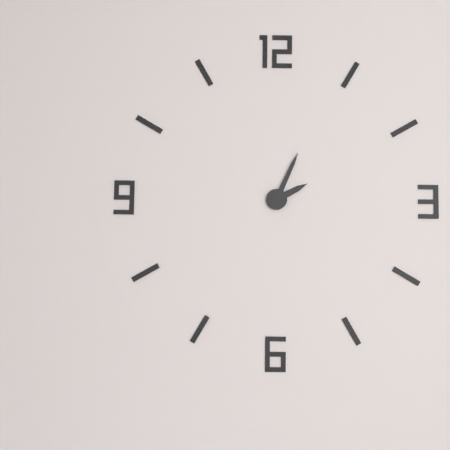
2:04
